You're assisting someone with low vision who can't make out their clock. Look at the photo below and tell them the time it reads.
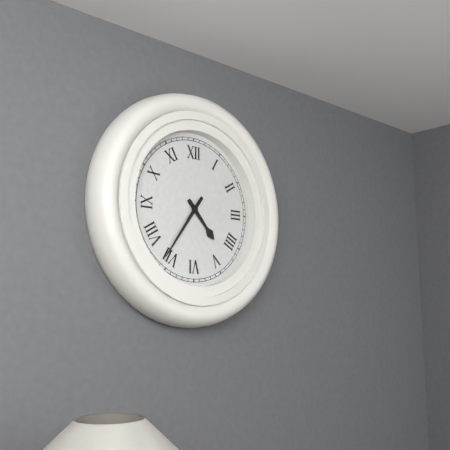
4:36
